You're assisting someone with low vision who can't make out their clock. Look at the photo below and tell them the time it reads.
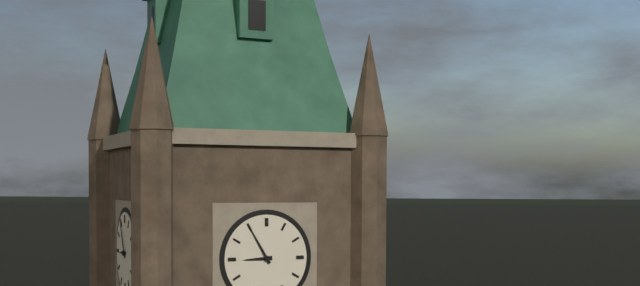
8:55
